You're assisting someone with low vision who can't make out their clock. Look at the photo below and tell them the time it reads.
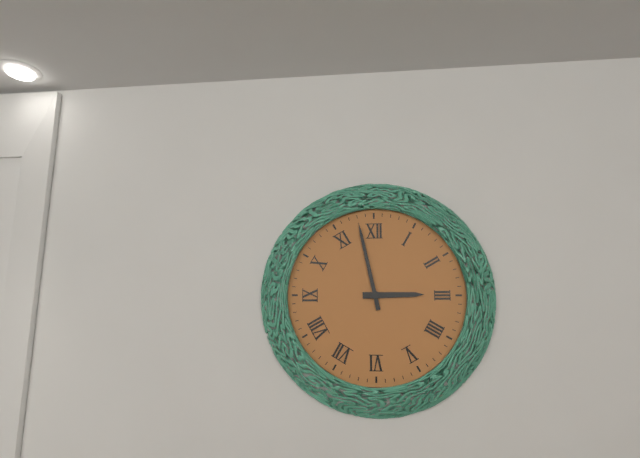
2:58
